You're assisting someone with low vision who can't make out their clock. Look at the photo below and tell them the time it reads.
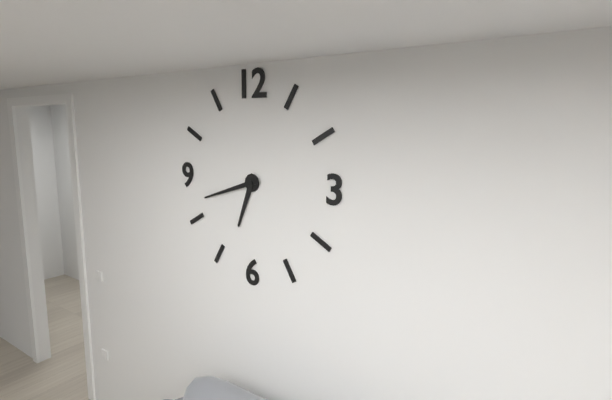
6:42
